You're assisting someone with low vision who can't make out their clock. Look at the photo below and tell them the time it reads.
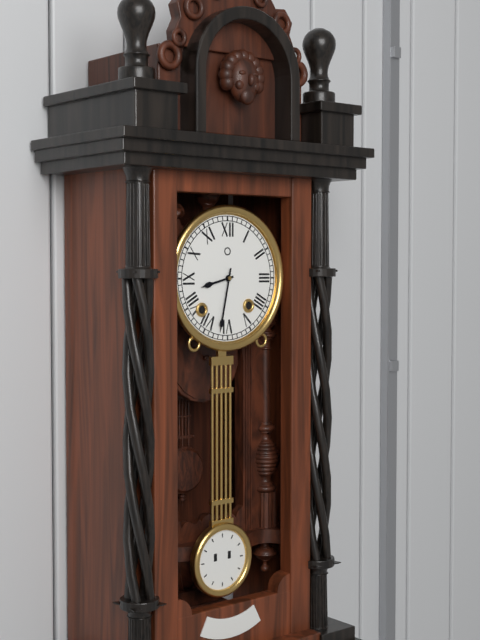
8:32
